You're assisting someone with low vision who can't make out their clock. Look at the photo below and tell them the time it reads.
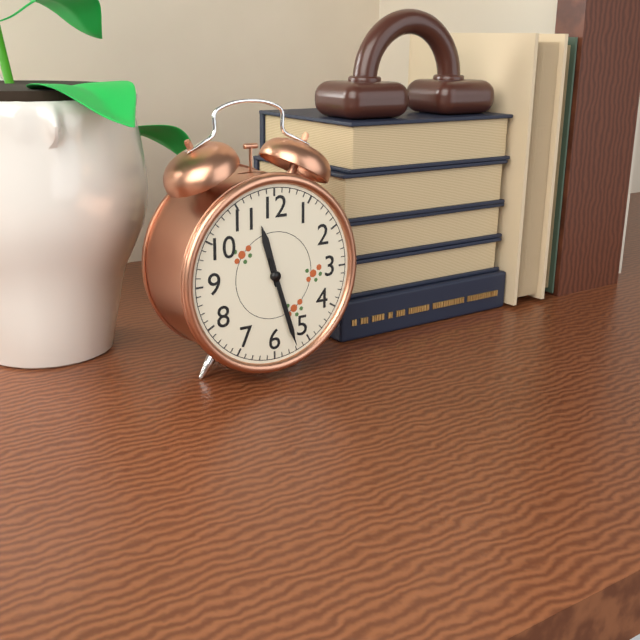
11:27:27
